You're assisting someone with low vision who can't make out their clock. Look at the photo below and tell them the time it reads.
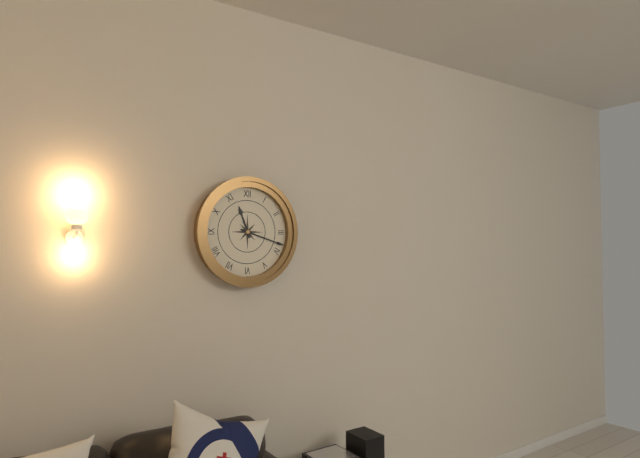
11:18
